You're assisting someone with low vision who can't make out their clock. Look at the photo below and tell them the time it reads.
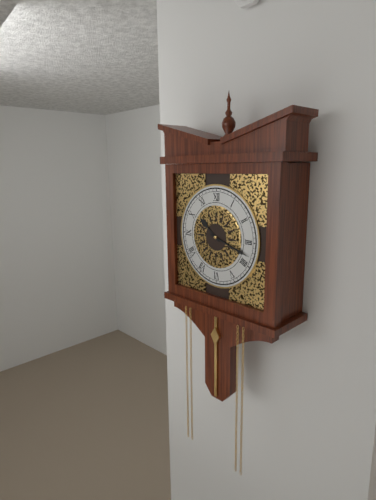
10:18
